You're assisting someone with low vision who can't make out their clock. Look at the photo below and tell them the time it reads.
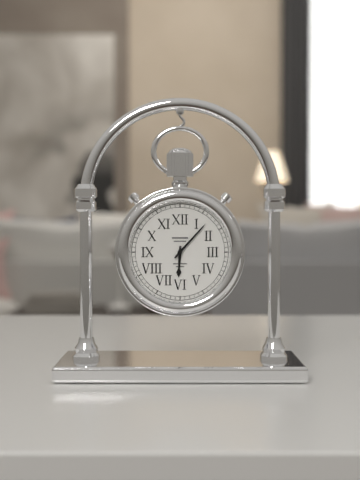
6:07
